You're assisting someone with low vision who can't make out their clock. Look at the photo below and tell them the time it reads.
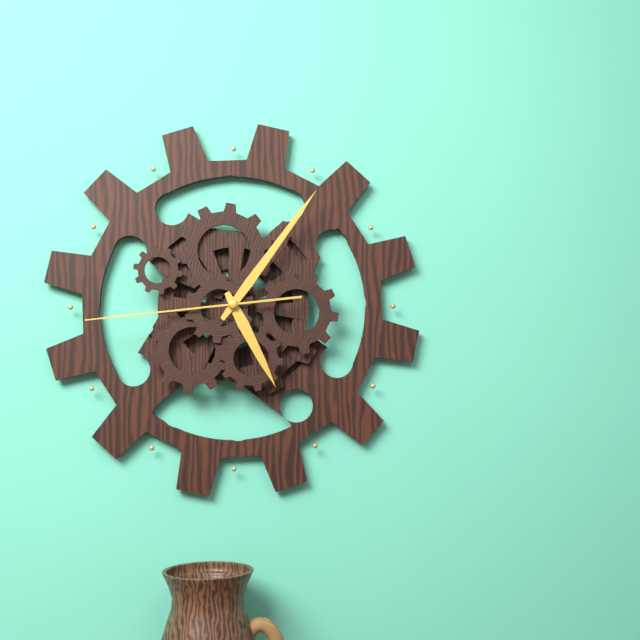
5:06:44
